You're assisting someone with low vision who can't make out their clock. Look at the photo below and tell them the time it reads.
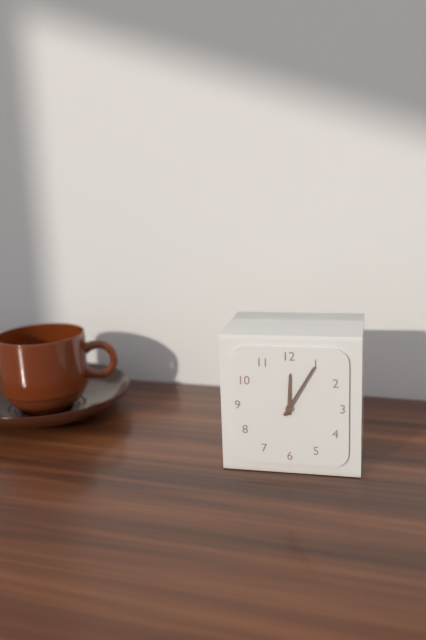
12:05
